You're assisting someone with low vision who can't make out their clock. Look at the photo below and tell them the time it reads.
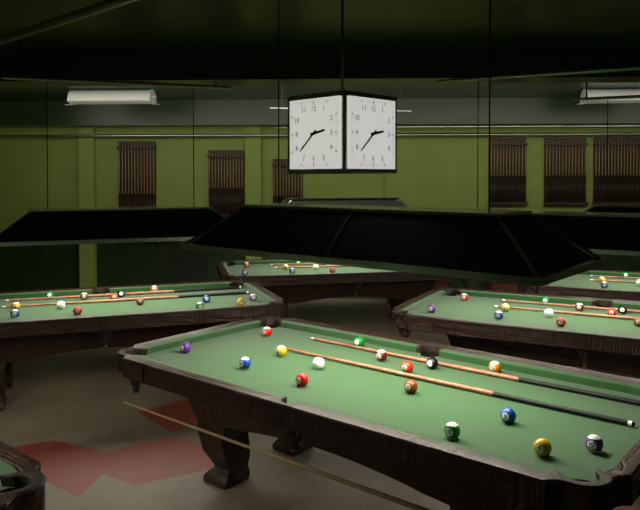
2:38
